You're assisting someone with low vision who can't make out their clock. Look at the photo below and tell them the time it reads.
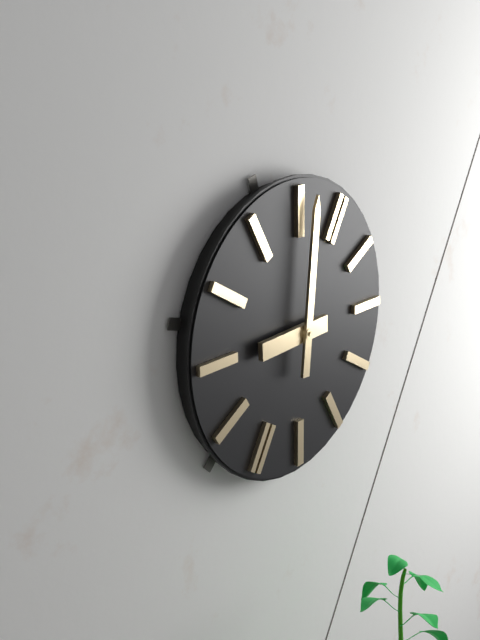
7:56
